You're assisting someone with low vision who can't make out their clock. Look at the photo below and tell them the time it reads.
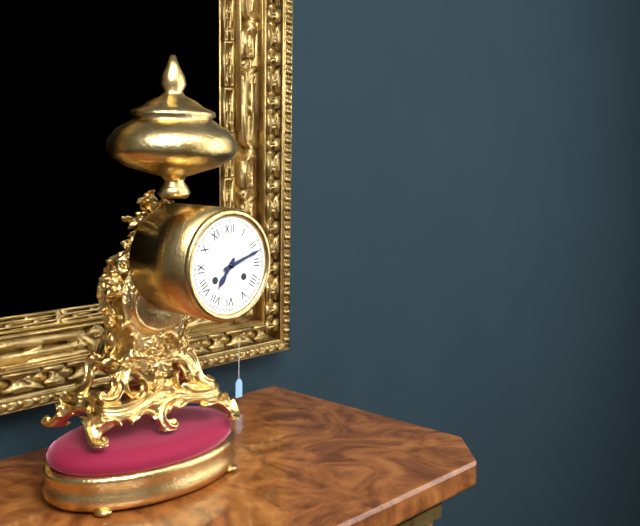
7:12
